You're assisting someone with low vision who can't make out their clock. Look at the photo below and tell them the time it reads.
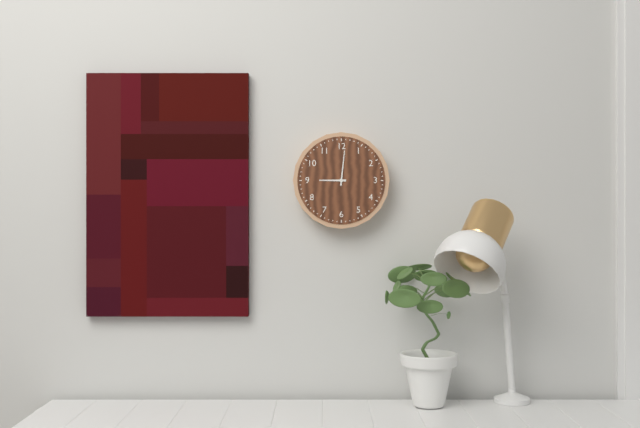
9:01
